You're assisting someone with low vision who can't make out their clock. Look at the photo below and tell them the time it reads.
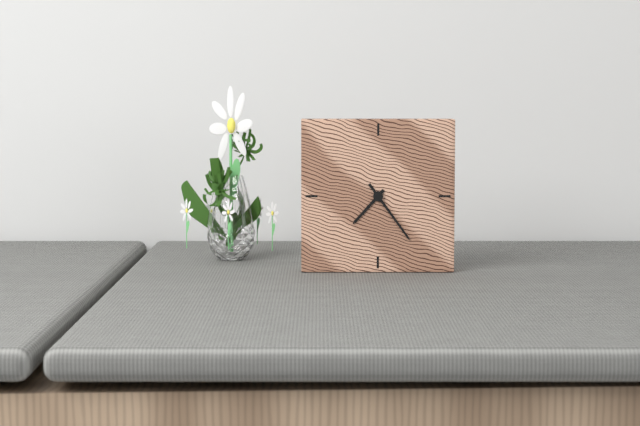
7:24
